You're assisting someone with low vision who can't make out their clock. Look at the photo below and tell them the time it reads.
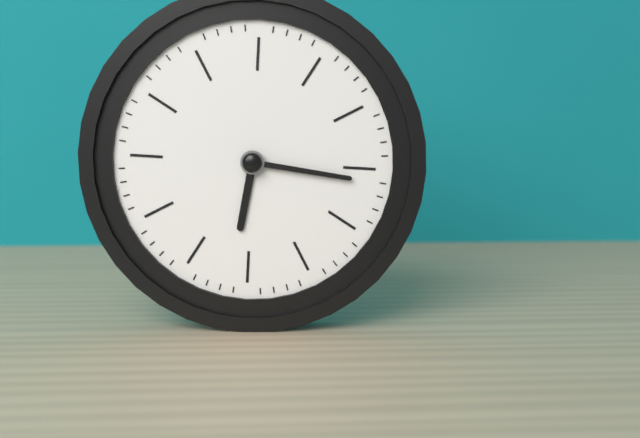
6:16
